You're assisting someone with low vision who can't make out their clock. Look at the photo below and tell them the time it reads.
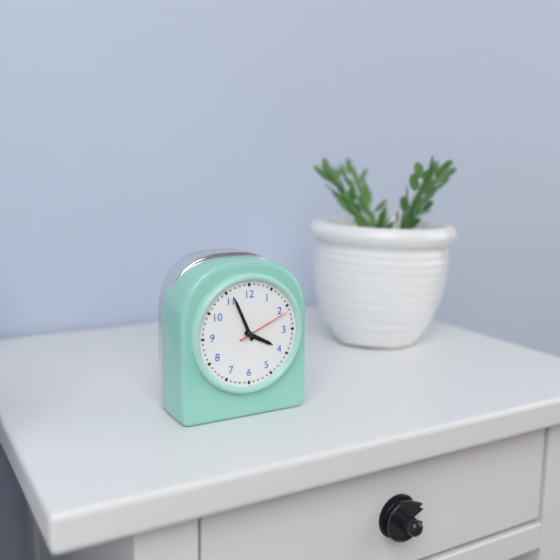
3:56:11
